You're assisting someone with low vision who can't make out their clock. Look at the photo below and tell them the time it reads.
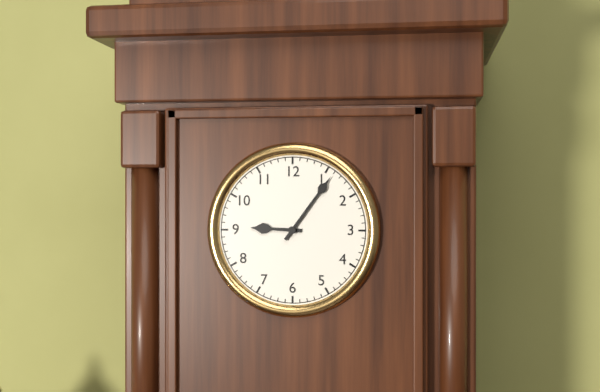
9:06
